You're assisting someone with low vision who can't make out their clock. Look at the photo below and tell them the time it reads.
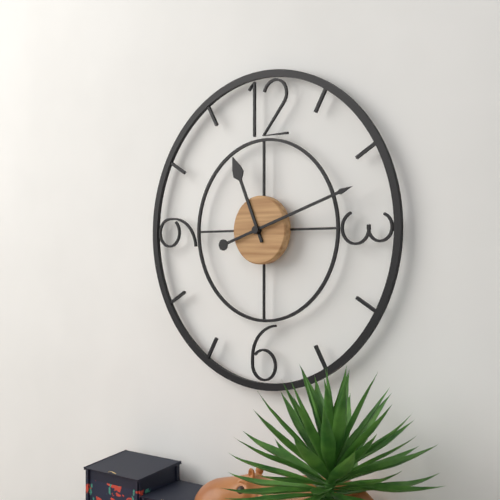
11:12
